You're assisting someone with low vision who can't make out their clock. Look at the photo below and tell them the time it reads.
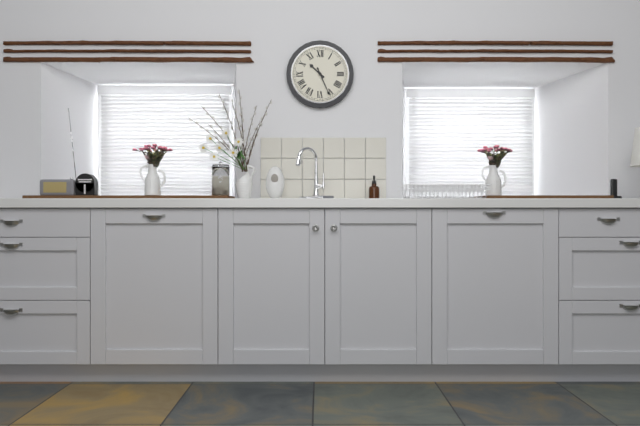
10:26
